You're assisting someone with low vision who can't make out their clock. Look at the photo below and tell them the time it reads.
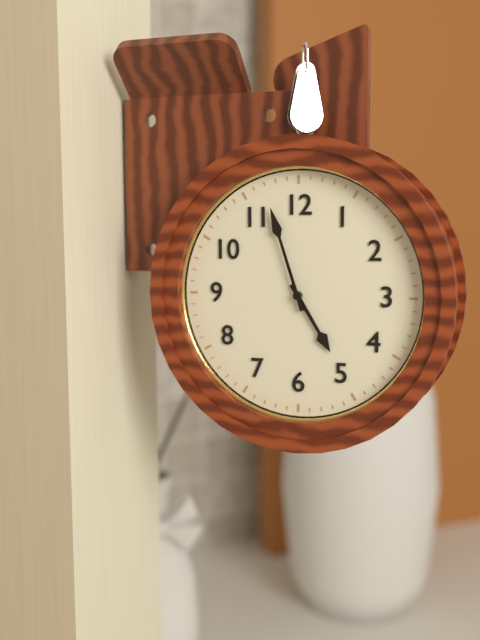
4:57
